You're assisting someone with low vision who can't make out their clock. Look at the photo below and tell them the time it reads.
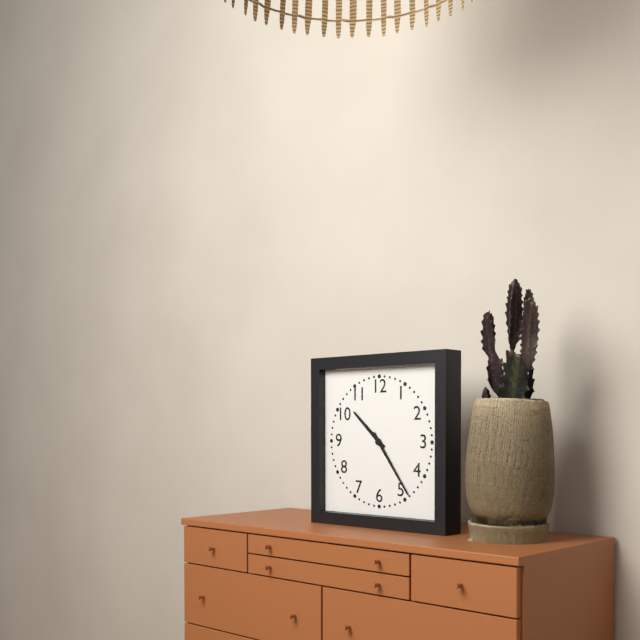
10:24
